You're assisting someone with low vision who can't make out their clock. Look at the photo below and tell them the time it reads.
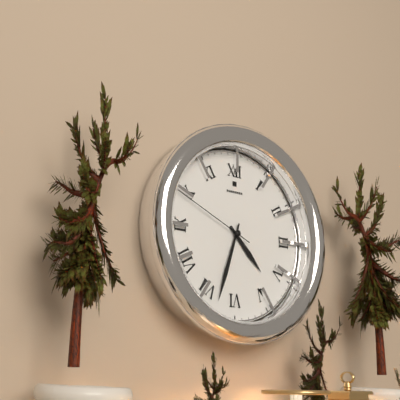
4:33:49
